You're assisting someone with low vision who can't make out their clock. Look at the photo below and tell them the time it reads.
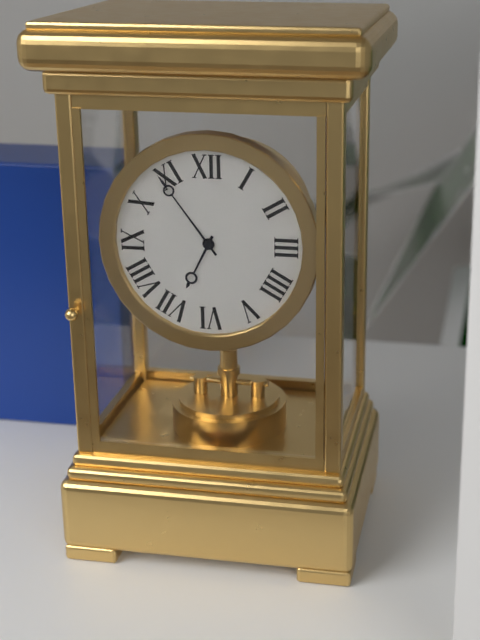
6:54
